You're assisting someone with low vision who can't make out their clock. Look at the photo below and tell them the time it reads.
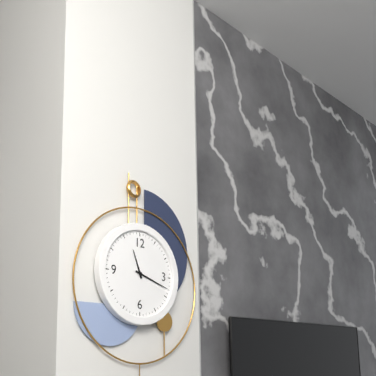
11:18
